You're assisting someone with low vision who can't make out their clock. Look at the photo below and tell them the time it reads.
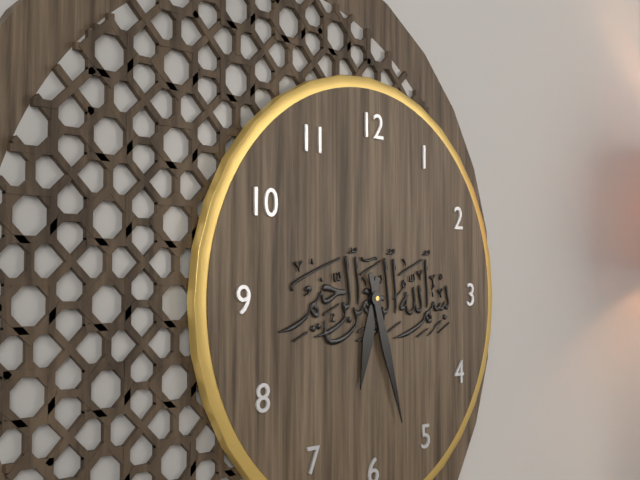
6:27
